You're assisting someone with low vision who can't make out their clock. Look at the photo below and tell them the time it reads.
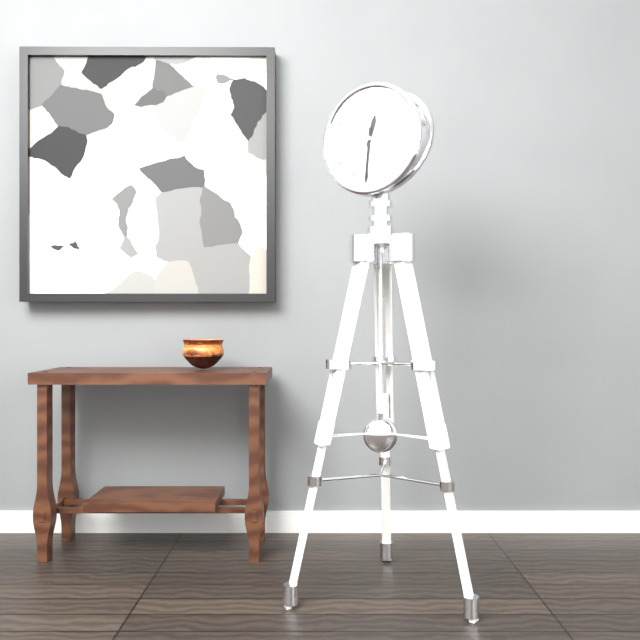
12:31
